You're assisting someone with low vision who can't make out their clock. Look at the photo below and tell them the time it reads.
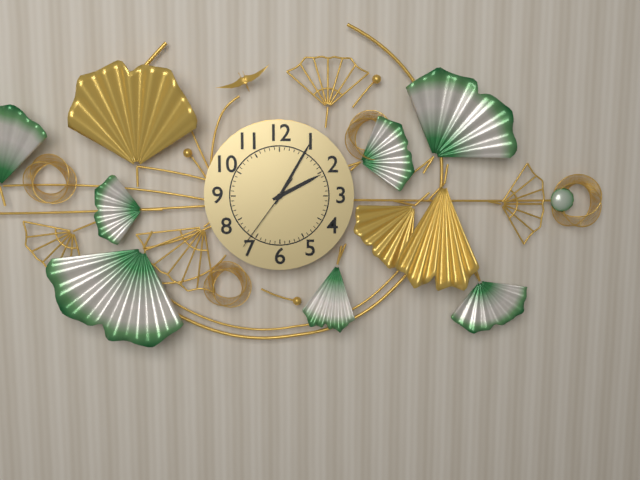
2:05:36
